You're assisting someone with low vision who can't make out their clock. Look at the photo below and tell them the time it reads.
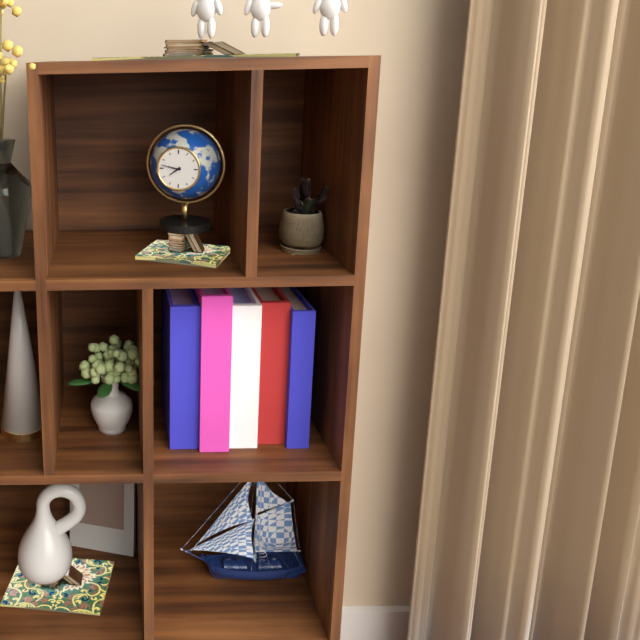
7:47
